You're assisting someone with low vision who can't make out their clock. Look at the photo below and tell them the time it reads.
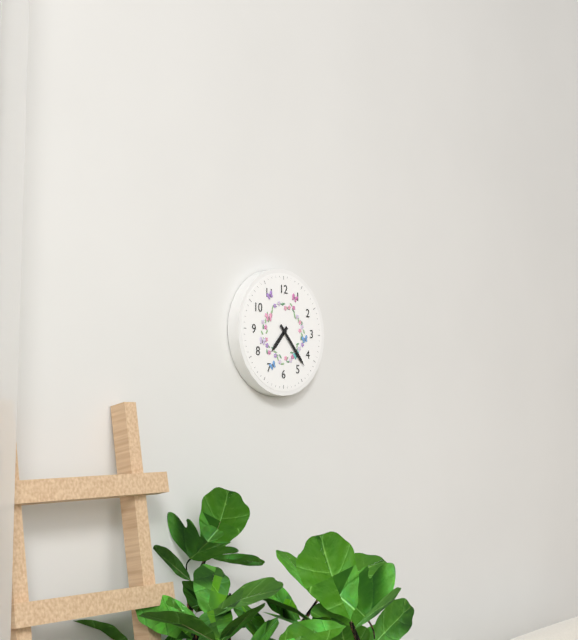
7:23
